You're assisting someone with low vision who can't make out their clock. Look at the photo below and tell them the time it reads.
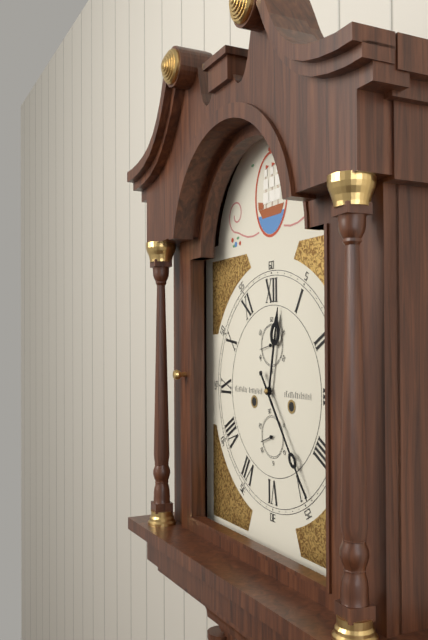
12:24
